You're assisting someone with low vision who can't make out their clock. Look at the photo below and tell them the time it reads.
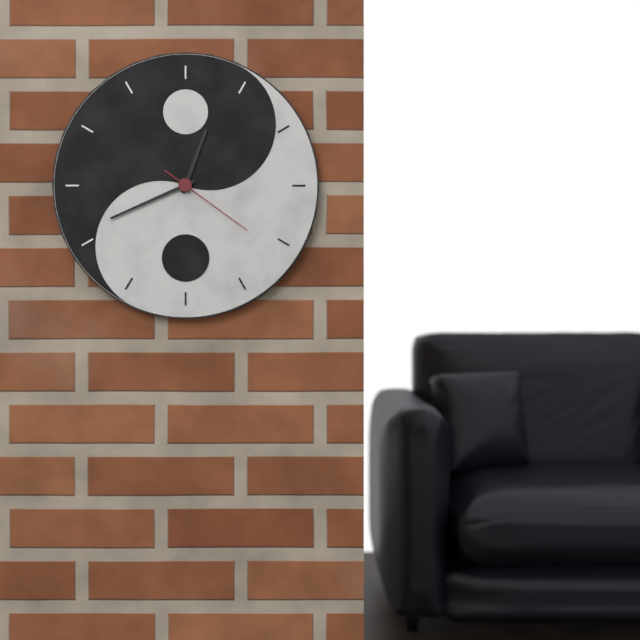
12:41:21
